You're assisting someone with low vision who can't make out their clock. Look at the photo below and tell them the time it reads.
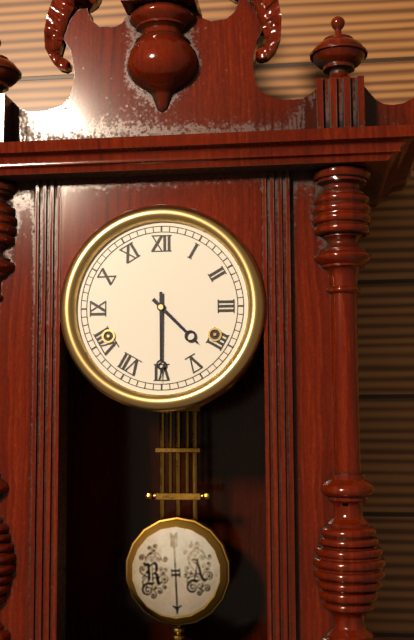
4:30
